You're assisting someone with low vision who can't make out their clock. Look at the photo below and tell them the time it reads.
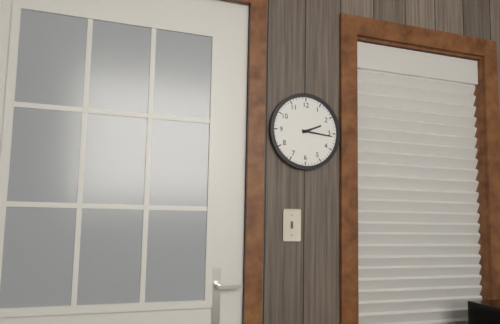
2:16
